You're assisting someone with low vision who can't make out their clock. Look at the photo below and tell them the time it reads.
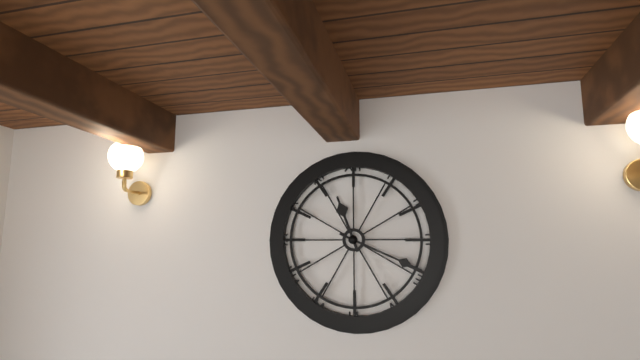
11:19
